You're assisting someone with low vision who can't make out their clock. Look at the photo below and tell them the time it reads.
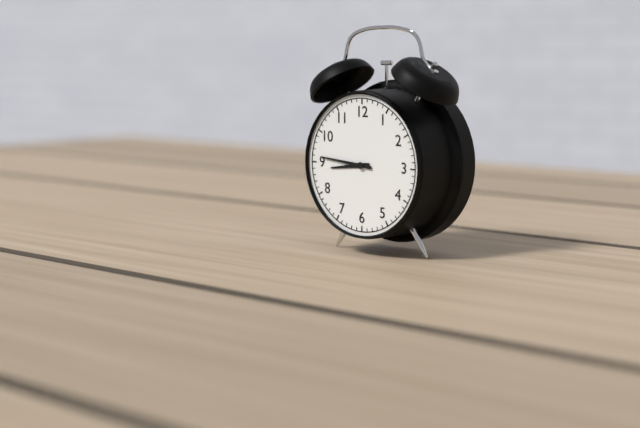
8:46
